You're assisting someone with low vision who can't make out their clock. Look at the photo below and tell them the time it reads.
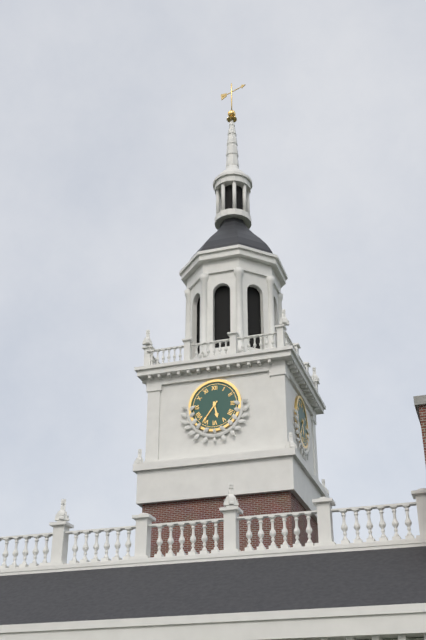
5:36
